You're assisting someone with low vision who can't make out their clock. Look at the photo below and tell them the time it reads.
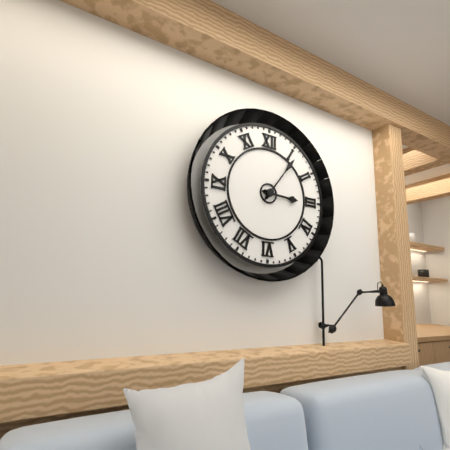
3:06
